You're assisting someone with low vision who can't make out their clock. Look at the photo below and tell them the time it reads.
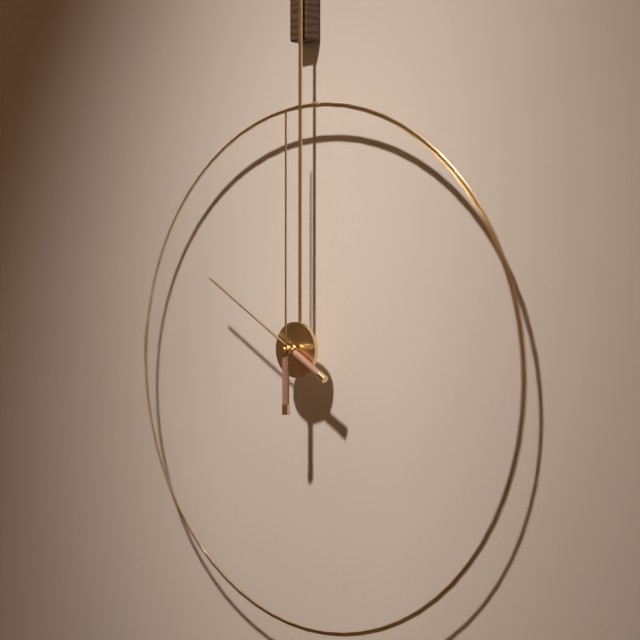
10:00
